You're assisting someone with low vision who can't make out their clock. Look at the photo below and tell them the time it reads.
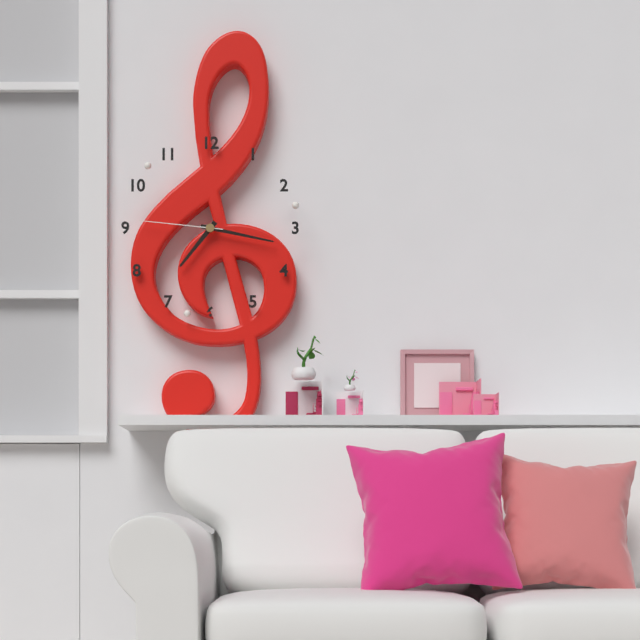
7:17:46
